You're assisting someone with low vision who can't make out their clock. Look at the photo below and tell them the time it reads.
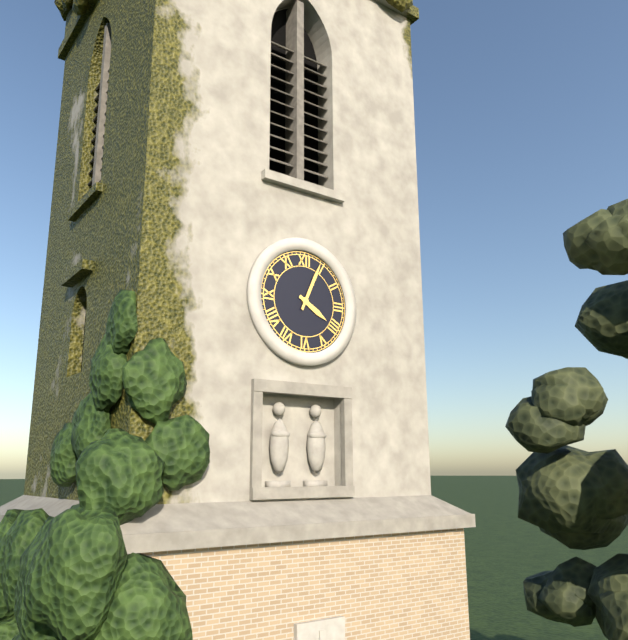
4:04
